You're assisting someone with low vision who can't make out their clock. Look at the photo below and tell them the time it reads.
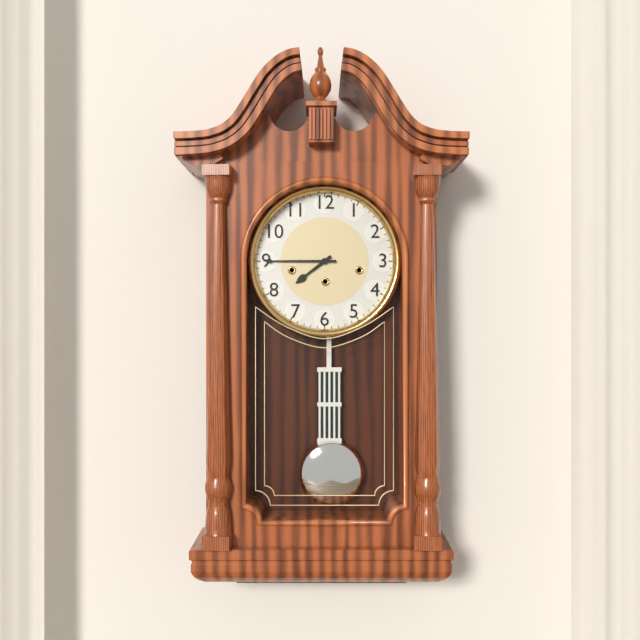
7:45
